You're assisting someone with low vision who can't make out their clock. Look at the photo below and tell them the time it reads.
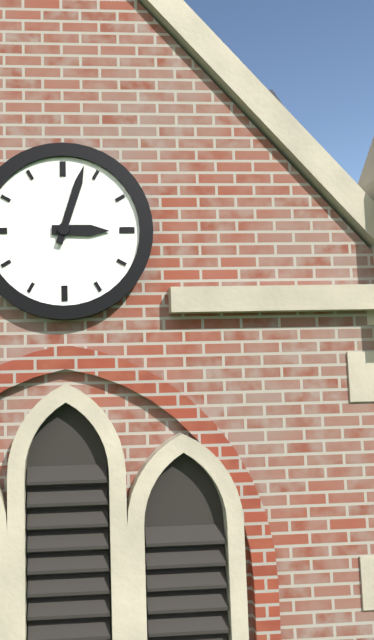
3:03
